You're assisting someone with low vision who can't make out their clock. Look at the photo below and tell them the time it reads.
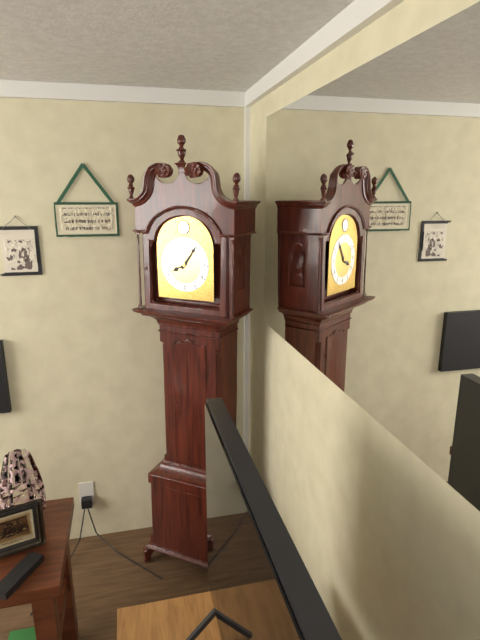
8:06
